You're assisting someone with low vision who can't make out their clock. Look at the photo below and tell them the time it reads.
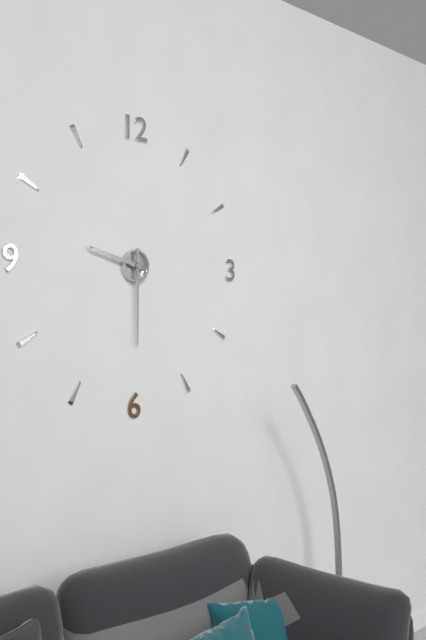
9:30
